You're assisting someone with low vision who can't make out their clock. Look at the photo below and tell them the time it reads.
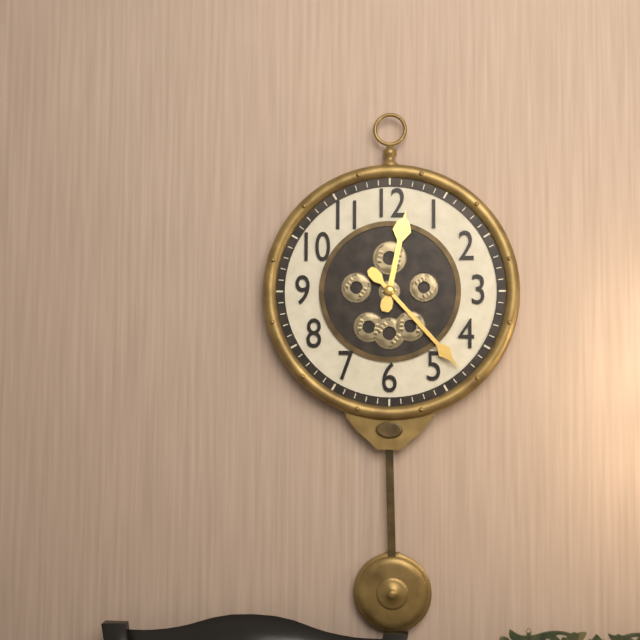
12:23
